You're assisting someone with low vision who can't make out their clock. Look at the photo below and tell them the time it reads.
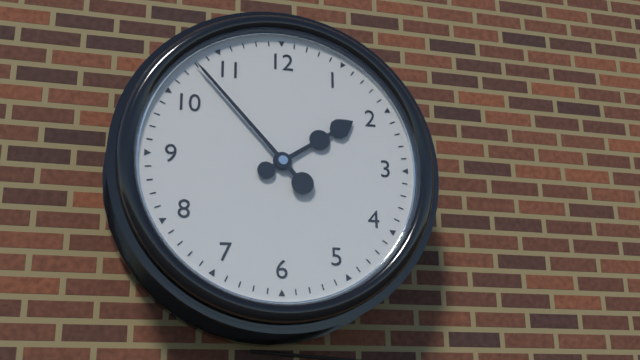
1:53
